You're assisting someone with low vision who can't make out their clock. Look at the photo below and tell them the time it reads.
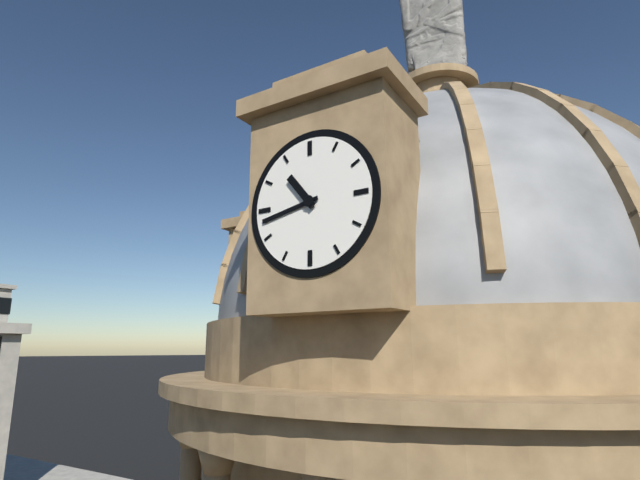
10:43
